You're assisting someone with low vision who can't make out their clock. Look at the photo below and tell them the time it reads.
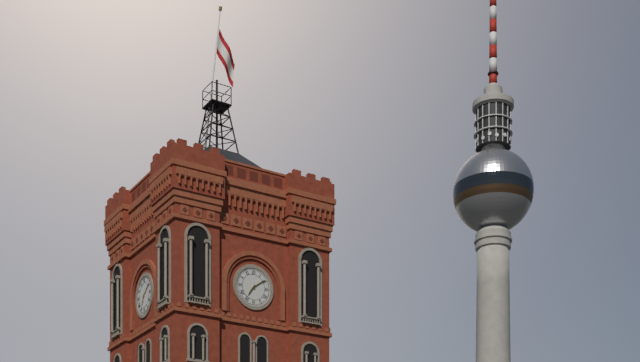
7:09
